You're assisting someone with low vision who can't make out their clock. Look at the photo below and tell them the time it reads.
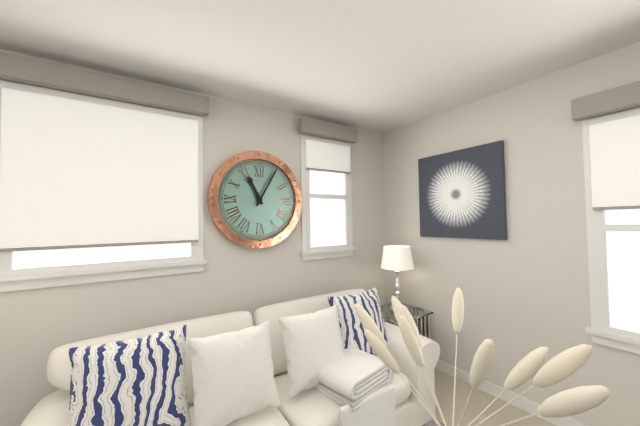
11:05
